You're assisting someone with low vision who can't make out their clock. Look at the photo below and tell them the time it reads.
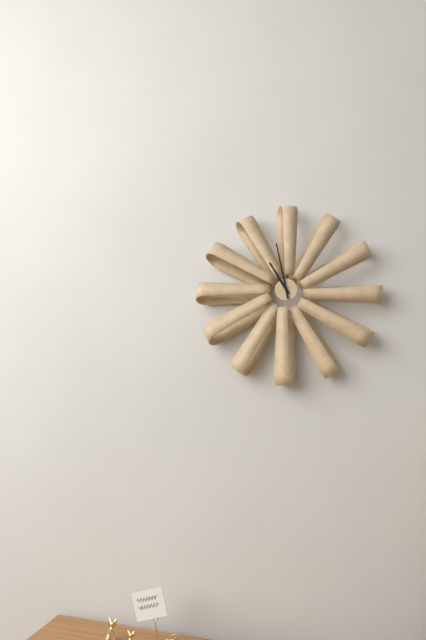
10:58
